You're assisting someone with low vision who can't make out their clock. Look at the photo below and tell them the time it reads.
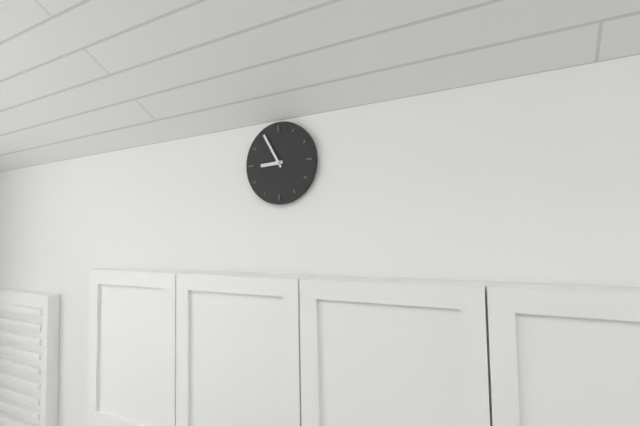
8:55
